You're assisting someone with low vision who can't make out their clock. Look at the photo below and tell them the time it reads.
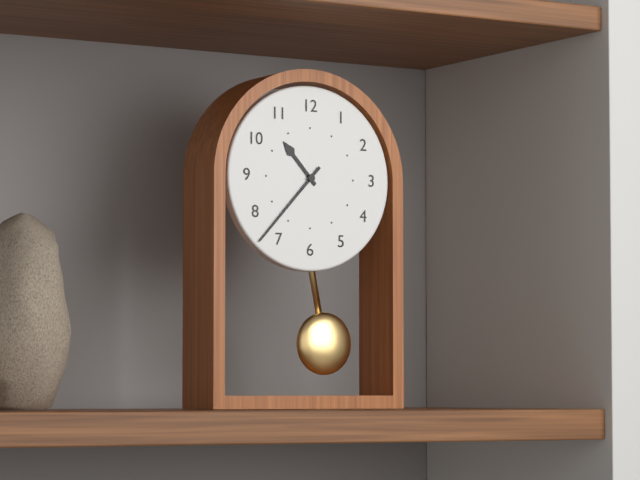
10:37
